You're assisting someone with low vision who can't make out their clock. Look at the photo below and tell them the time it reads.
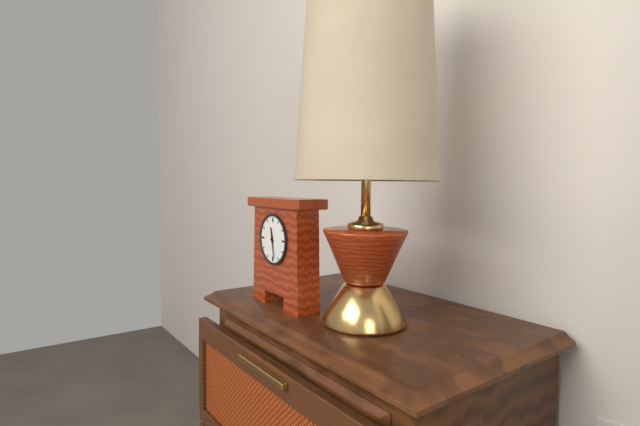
11:28
